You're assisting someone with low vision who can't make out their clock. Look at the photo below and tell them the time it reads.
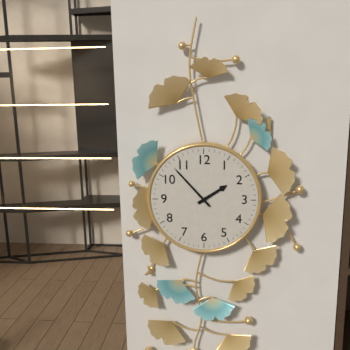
1:53
